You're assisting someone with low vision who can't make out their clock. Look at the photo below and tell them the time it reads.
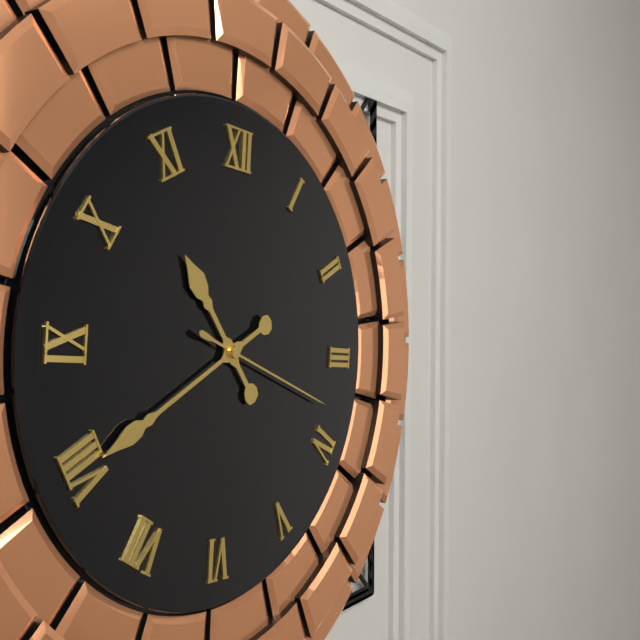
10:40:18
